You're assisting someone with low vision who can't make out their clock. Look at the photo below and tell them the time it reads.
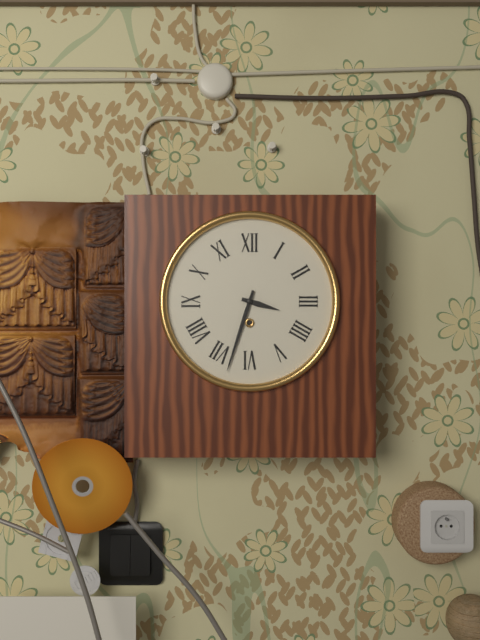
3:33
